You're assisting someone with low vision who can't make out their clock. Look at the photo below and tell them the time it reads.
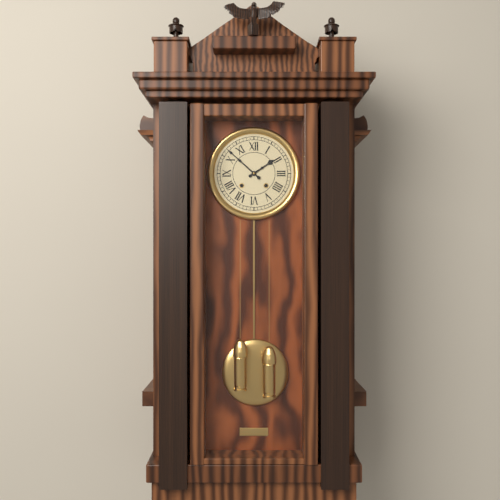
1:52
